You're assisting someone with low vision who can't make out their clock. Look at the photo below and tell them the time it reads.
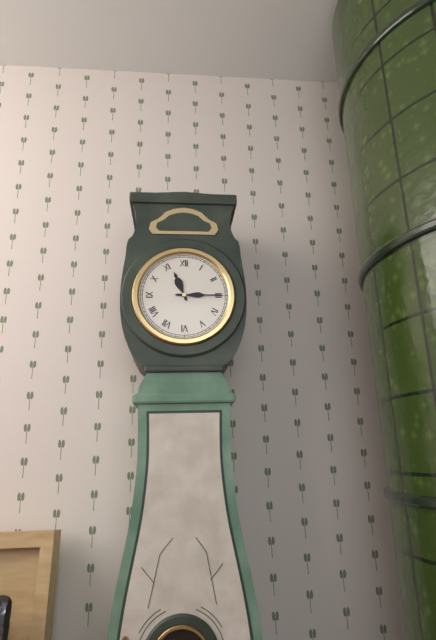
11:15
